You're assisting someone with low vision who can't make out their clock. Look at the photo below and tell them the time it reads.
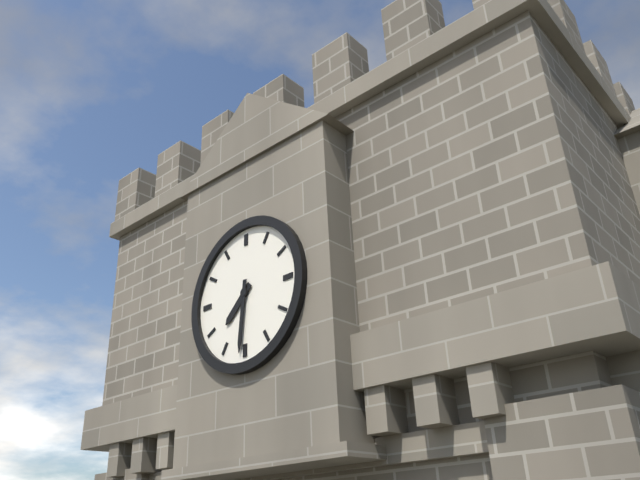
7:31
